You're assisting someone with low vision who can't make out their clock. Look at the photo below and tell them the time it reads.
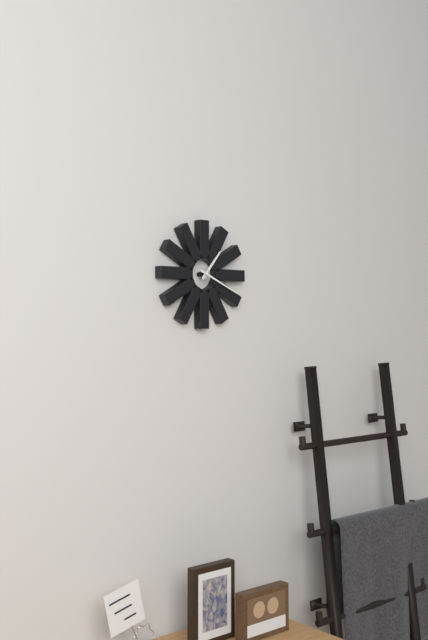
1:19
